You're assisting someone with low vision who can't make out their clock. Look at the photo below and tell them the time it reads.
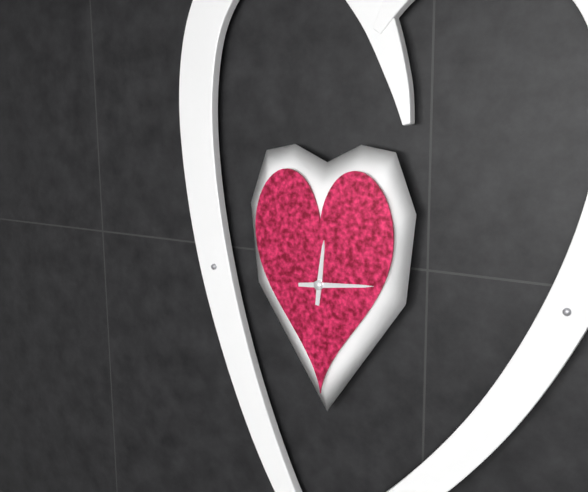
12:14
